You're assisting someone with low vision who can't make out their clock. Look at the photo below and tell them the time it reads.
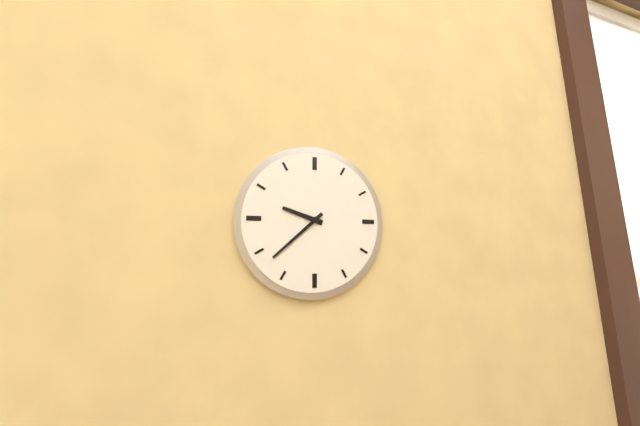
9:38
